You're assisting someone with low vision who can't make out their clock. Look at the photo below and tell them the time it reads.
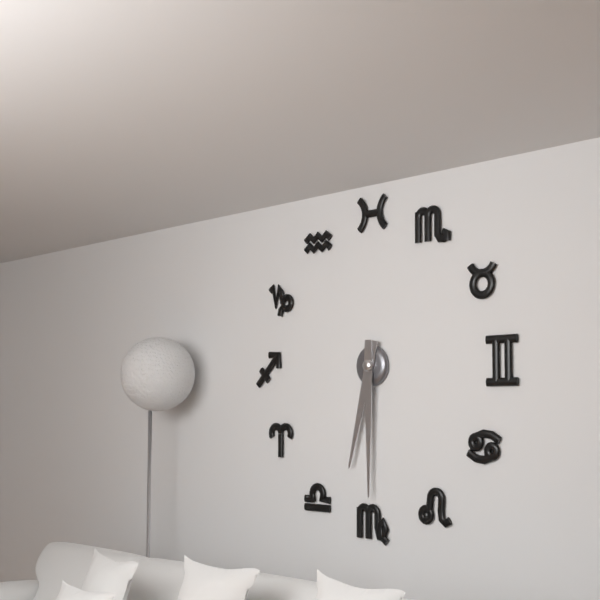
6:30
